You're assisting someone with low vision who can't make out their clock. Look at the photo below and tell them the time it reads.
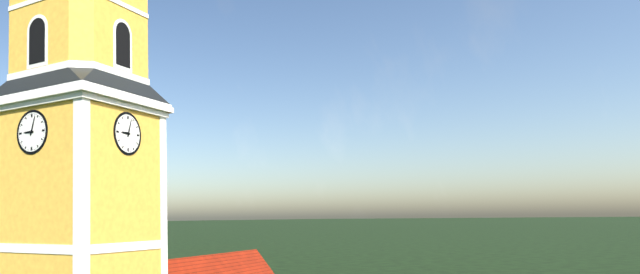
9:03
